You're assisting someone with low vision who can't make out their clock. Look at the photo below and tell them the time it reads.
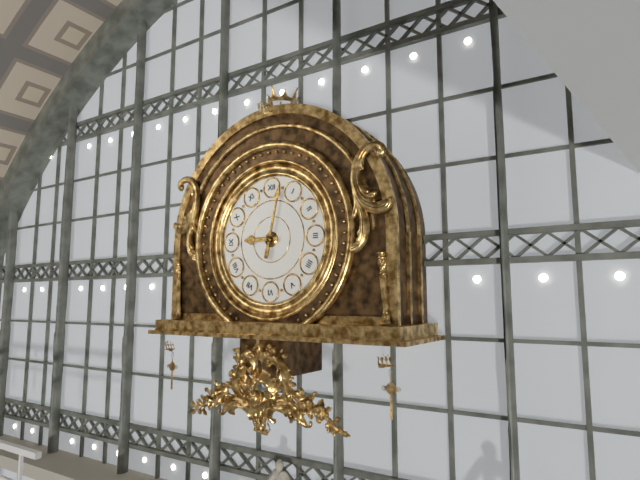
9:02
